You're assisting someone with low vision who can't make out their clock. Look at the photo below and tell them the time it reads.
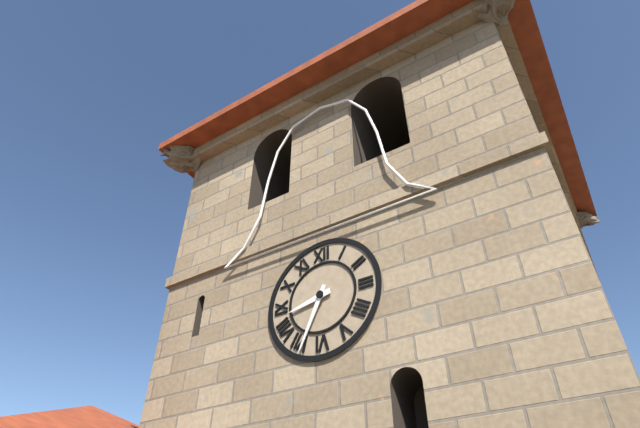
8:34
